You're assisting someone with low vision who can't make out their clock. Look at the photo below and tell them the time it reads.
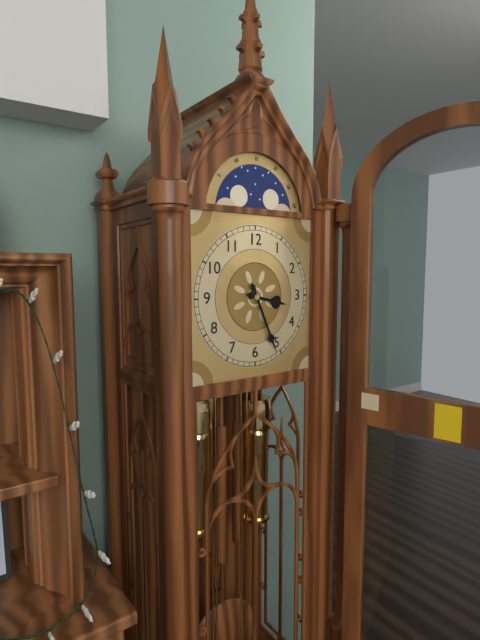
3:26
